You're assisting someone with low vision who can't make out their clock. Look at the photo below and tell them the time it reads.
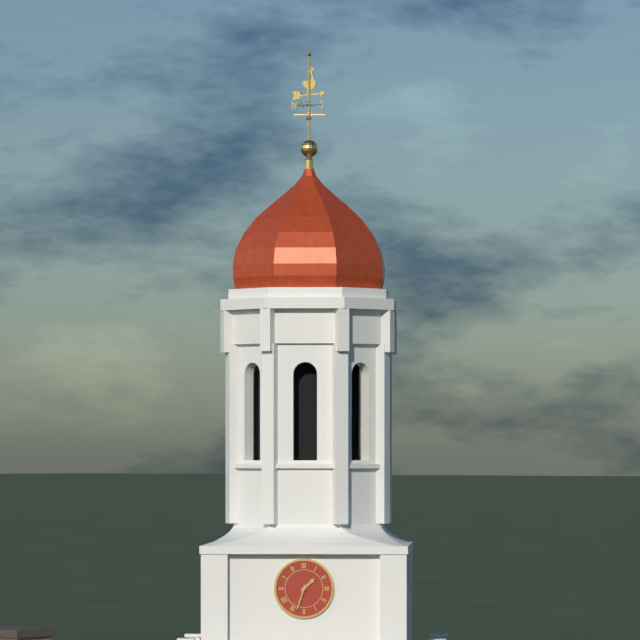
1:33
